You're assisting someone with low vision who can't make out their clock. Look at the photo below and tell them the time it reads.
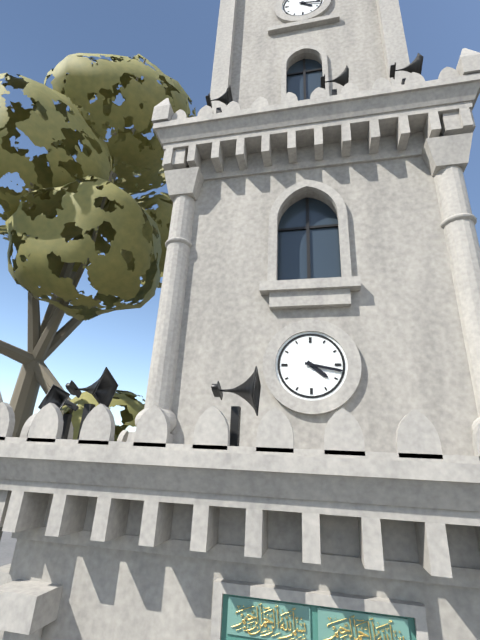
4:17
